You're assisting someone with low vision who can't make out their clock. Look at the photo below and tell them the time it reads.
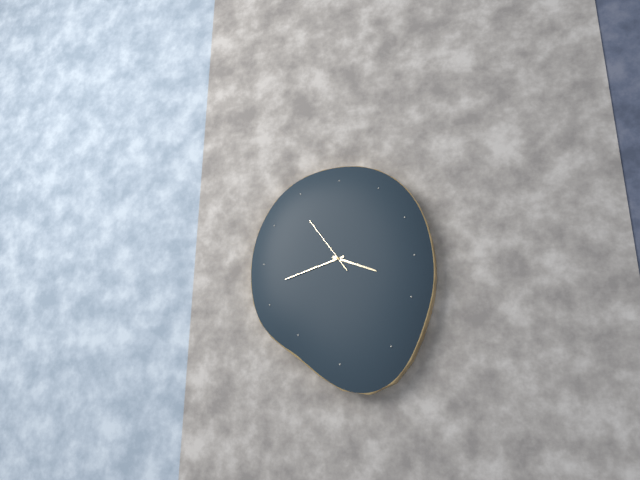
3:42:54
